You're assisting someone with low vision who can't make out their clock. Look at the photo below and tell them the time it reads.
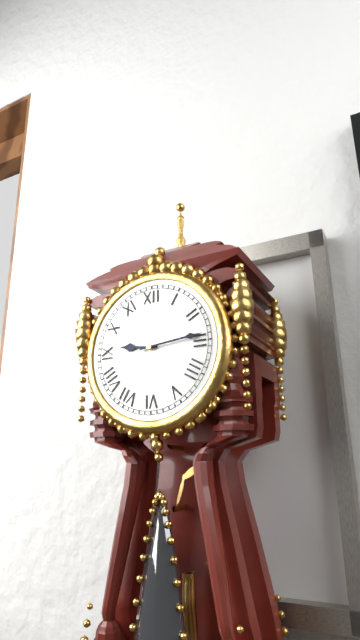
9:14
